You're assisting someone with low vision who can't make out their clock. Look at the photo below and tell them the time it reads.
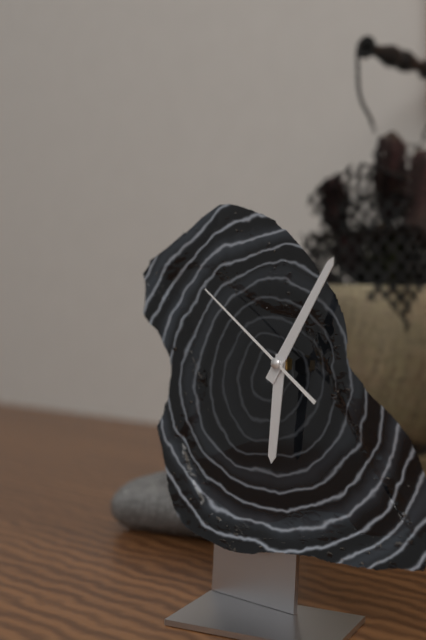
6:05:51
